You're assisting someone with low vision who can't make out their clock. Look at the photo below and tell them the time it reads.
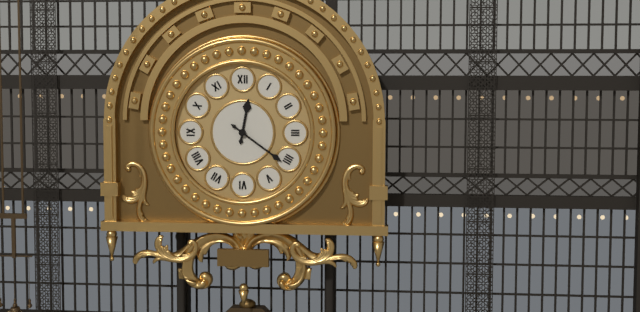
12:21
